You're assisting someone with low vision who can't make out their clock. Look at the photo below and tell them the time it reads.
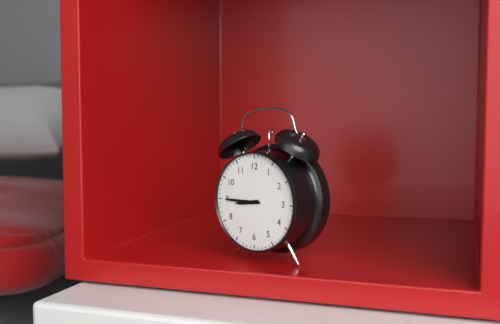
8:45
